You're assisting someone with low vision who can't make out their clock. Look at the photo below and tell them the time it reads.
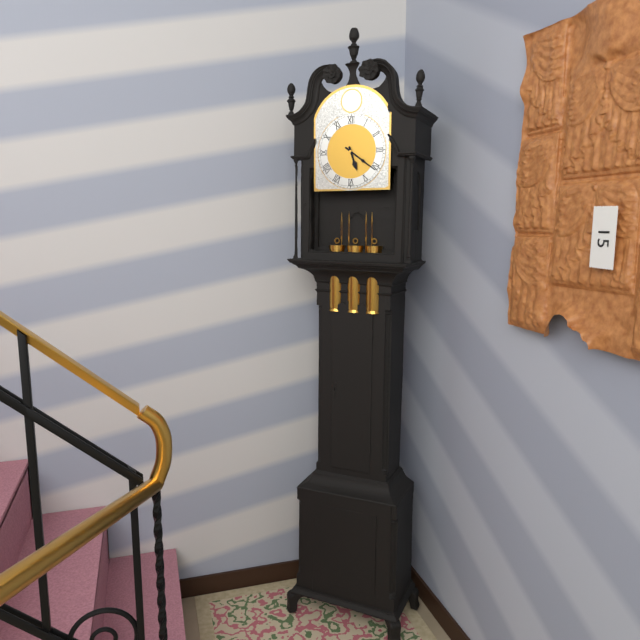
5:21
